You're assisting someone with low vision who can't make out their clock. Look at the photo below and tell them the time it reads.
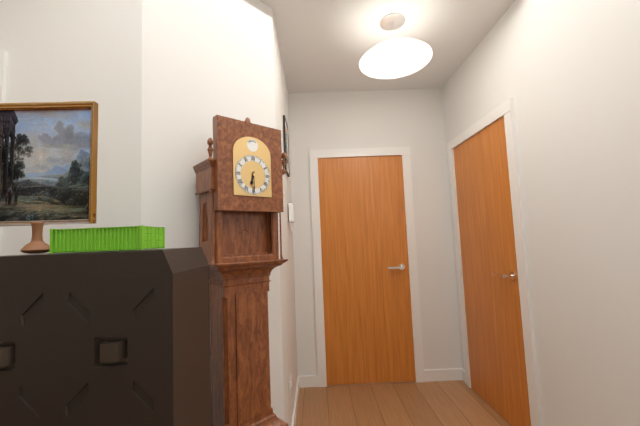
6:30
